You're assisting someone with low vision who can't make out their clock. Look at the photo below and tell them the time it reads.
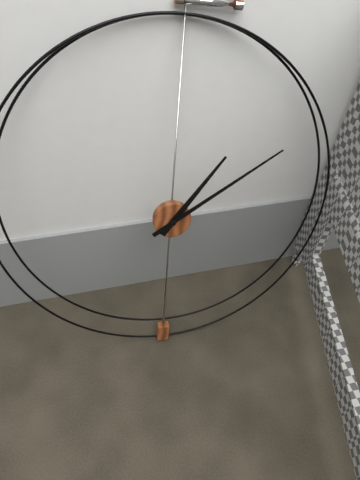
1:09
